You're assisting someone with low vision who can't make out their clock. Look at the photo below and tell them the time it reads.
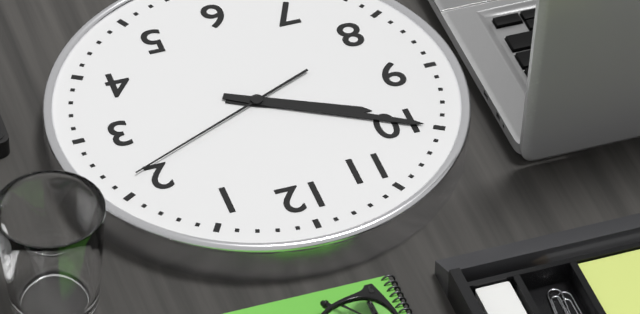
9:50:11
